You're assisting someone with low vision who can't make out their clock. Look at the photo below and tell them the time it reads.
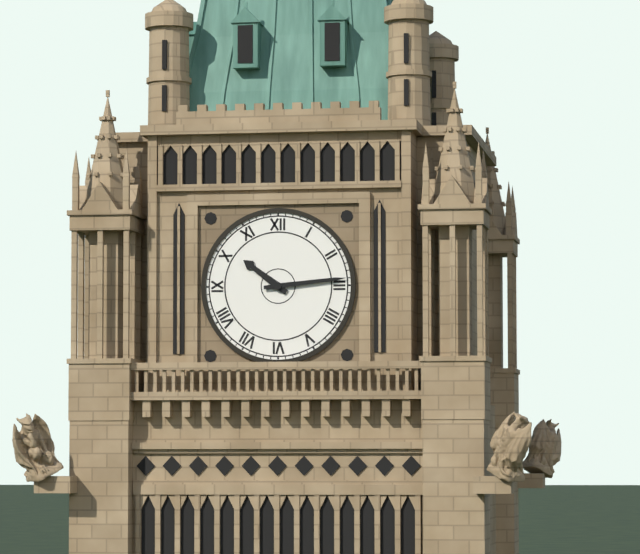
10:14
